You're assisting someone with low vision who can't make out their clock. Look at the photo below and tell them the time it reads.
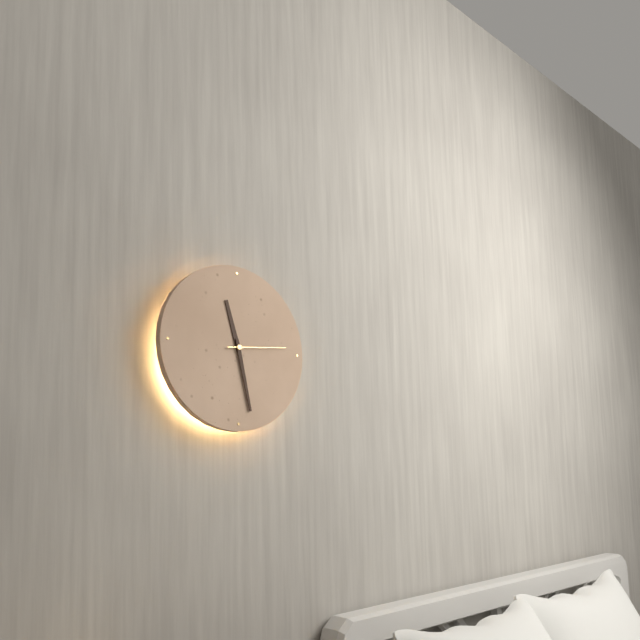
11:28:14
